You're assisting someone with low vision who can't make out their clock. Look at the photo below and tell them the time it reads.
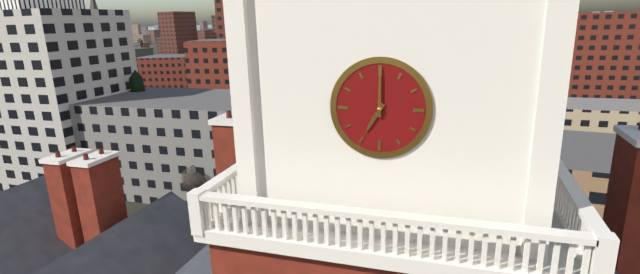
7:00
